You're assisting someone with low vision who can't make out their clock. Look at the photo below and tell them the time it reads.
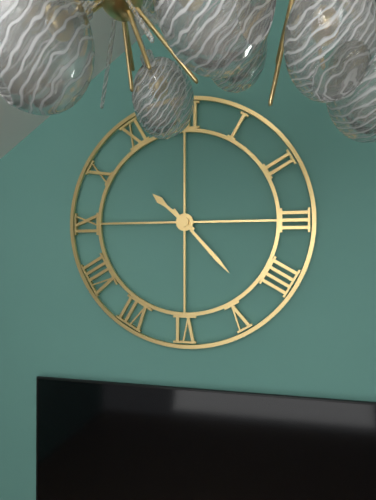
10:23
